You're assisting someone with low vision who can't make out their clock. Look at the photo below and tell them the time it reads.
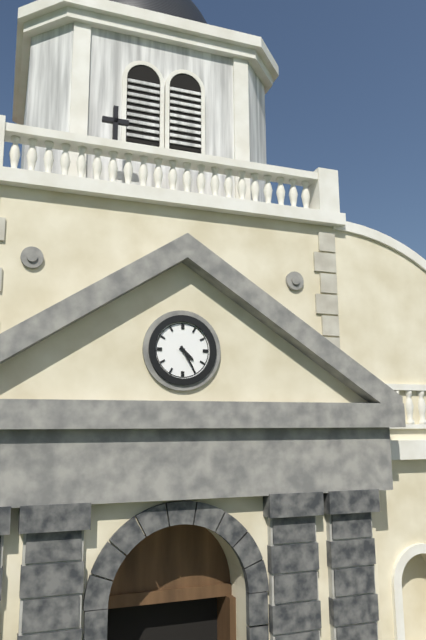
4:25
